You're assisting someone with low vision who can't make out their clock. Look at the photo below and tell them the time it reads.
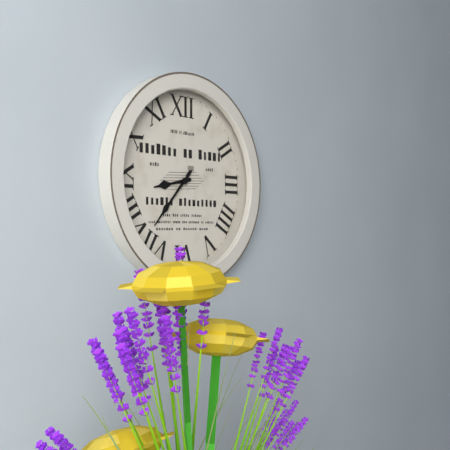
8:37
